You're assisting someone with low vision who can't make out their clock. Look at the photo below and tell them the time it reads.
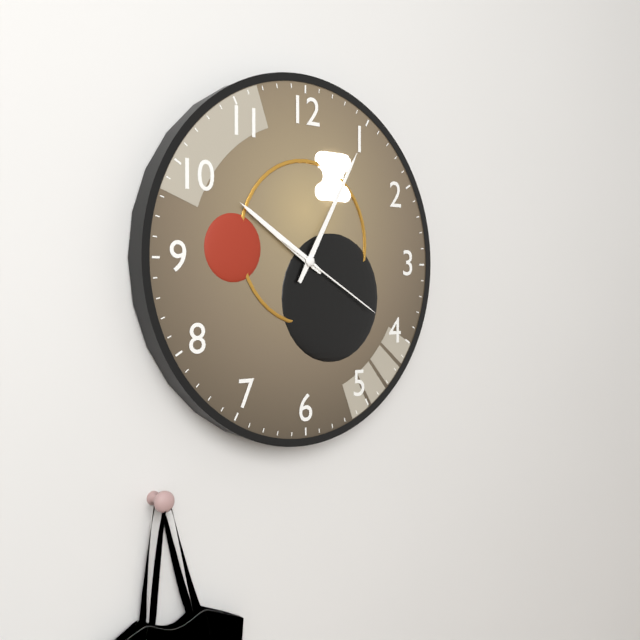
10:05:20
